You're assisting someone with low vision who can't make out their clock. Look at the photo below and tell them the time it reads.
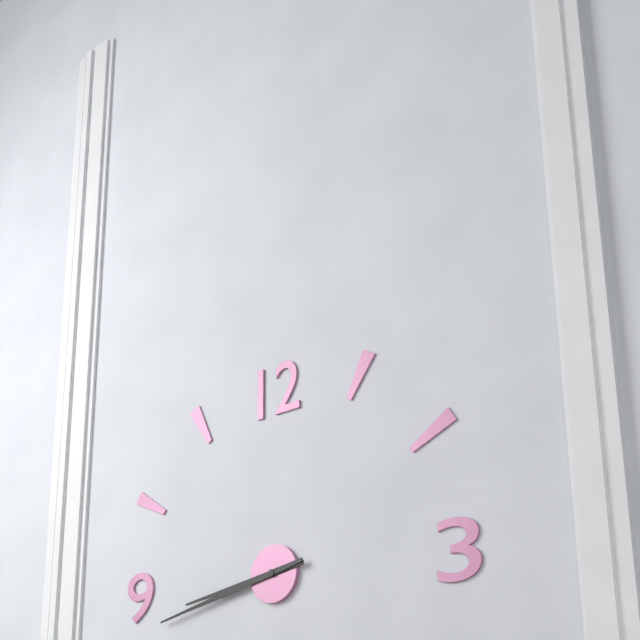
8:43
